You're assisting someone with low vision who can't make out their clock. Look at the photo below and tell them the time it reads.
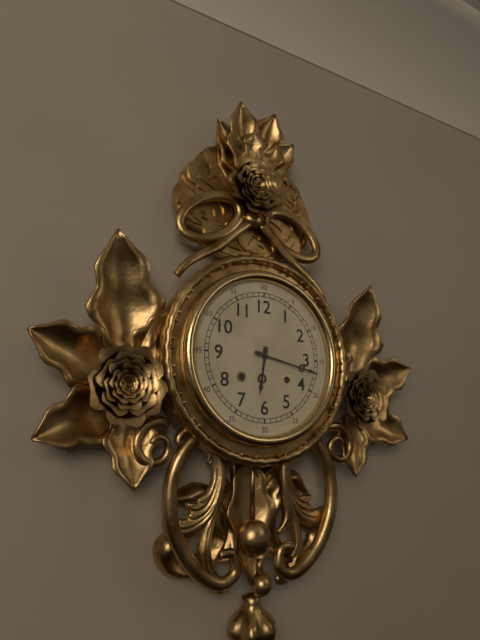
6:17
